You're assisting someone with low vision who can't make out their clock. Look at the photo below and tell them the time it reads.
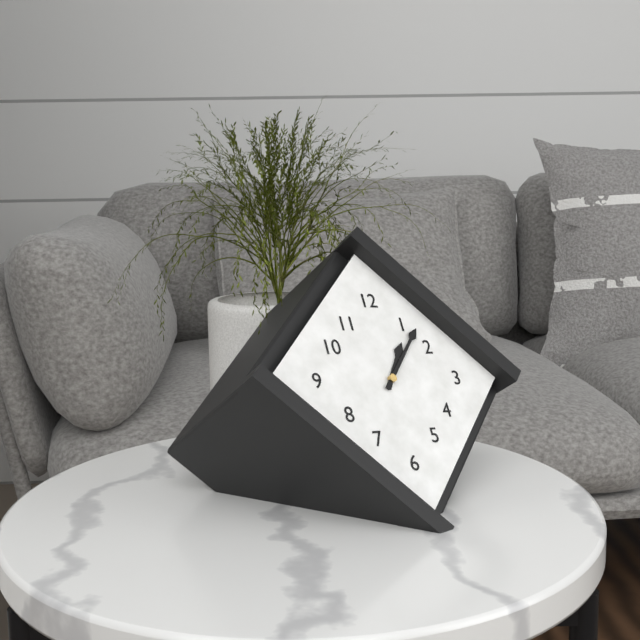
1:07
